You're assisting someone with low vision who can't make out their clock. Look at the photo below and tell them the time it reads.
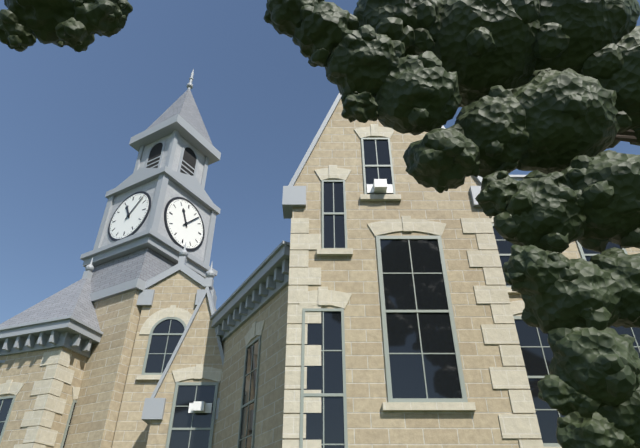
11:07
